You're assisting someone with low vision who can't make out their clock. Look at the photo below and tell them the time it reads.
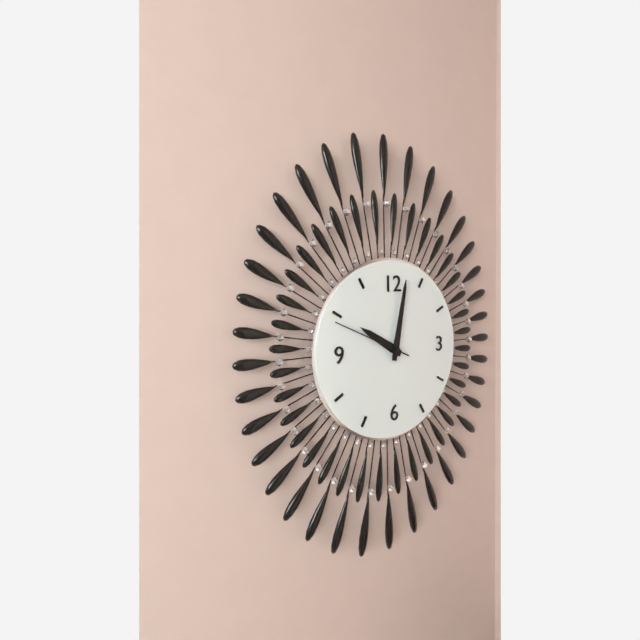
10:02:49
